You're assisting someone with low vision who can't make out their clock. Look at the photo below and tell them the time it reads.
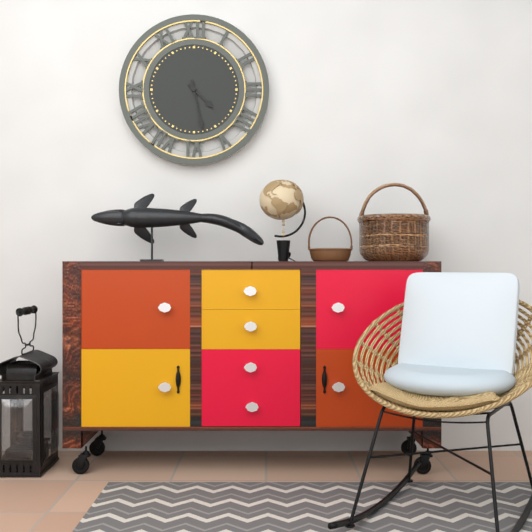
4:28
